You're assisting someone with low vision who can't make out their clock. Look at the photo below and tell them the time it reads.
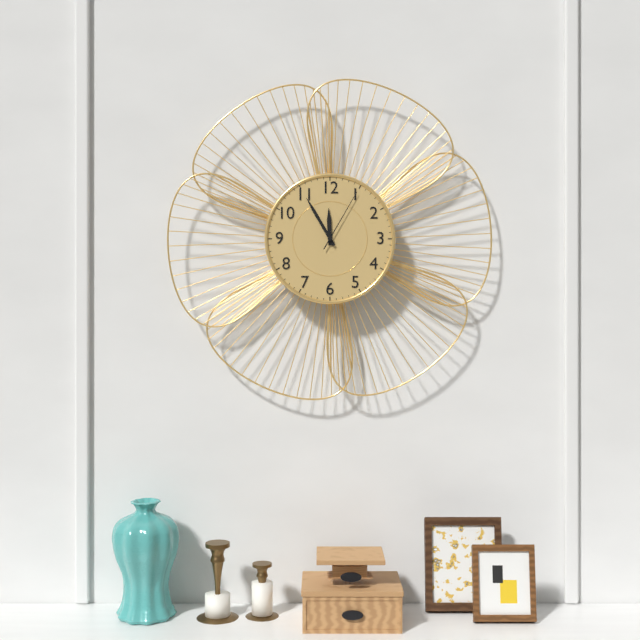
11:55:05
